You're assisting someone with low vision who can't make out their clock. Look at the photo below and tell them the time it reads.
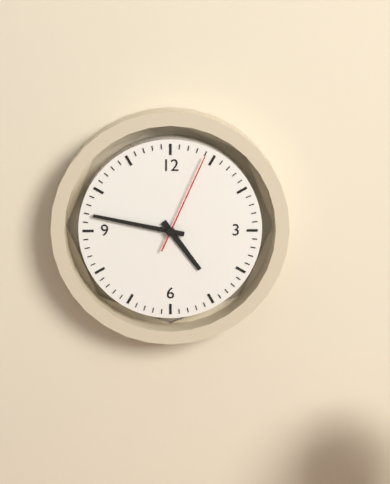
4:47:04
